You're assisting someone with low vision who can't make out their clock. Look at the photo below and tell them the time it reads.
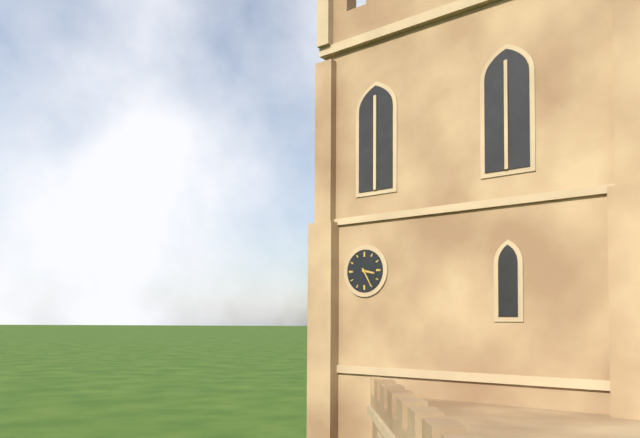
3:25
